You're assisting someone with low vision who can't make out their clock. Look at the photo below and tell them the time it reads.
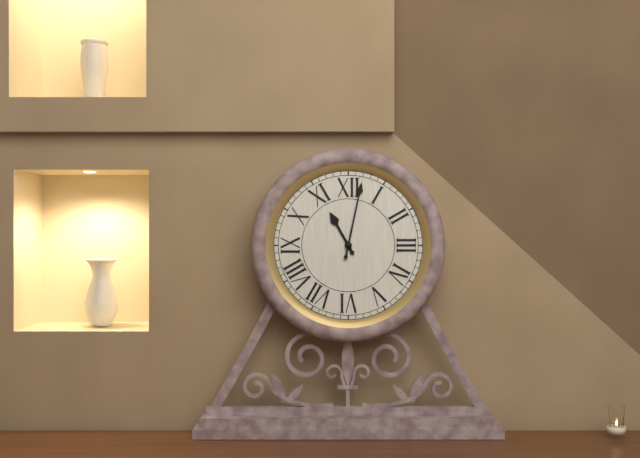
11:02
